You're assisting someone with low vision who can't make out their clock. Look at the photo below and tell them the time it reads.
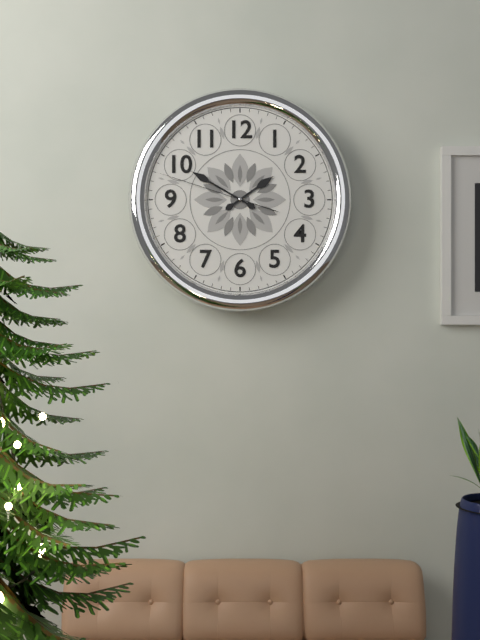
1:50:48
